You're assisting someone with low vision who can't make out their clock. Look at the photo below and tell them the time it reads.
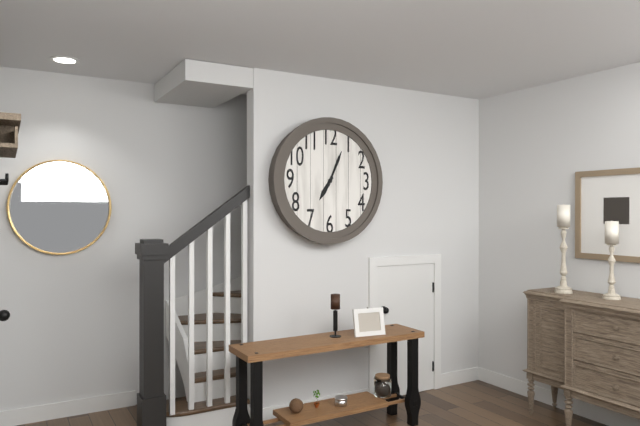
7:04
